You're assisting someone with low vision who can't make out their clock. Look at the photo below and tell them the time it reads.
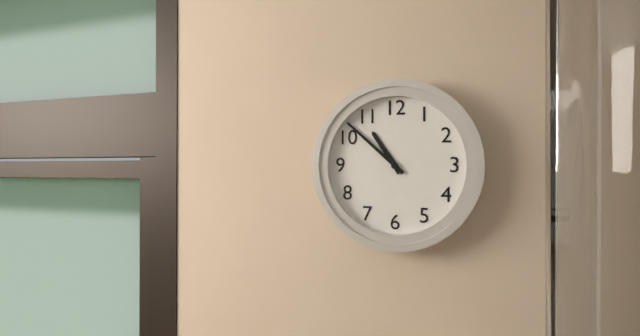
10:52
